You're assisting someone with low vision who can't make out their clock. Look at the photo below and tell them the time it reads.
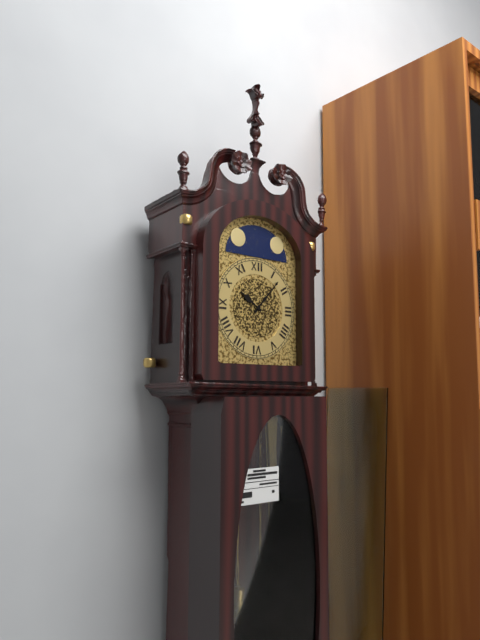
10:07
